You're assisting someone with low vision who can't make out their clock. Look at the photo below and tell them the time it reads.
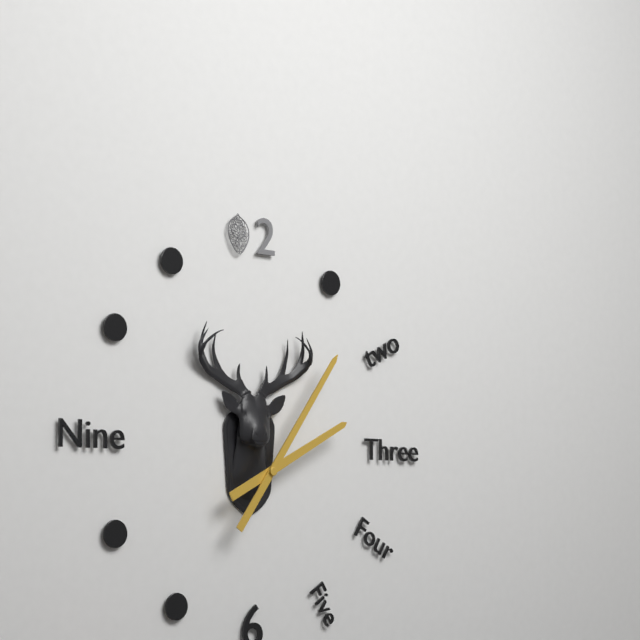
2:06
